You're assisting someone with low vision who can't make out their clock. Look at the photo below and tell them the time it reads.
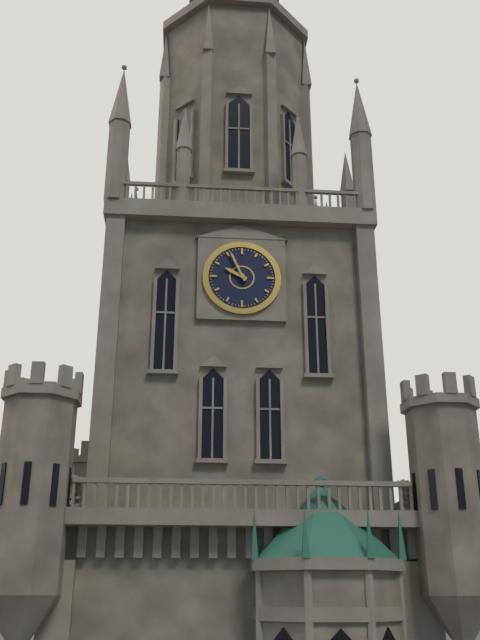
9:56
